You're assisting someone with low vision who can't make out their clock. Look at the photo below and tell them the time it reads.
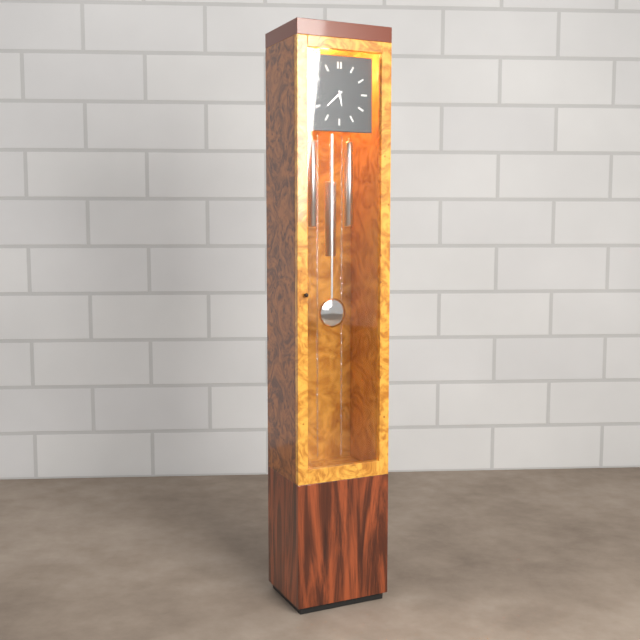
5:38
